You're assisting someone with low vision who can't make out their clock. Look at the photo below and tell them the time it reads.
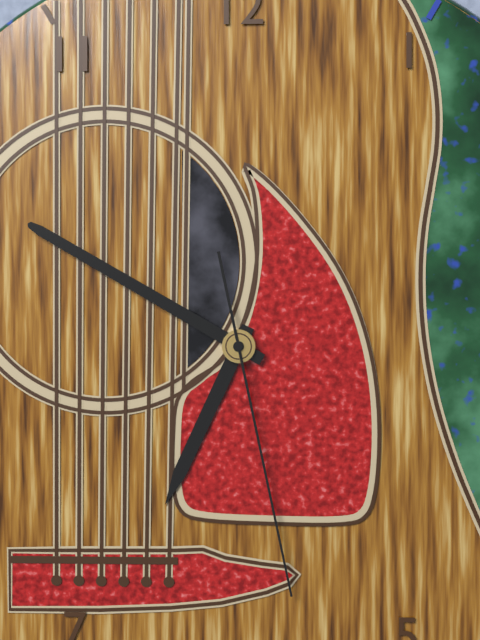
6:50:28
